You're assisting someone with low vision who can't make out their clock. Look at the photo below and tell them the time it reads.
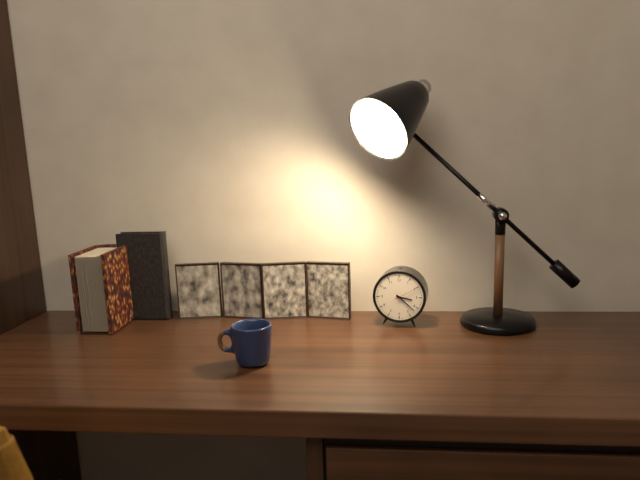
3:22
